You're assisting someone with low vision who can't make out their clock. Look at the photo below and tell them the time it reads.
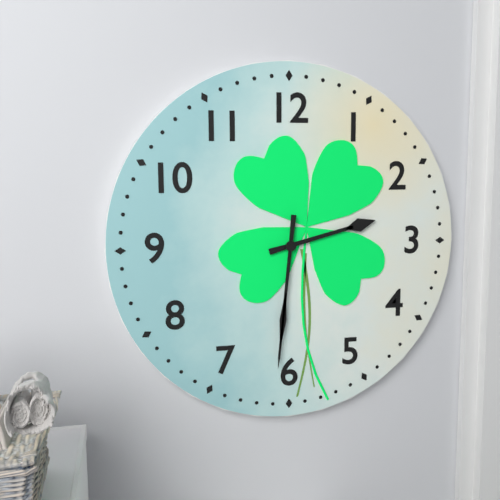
2:31
